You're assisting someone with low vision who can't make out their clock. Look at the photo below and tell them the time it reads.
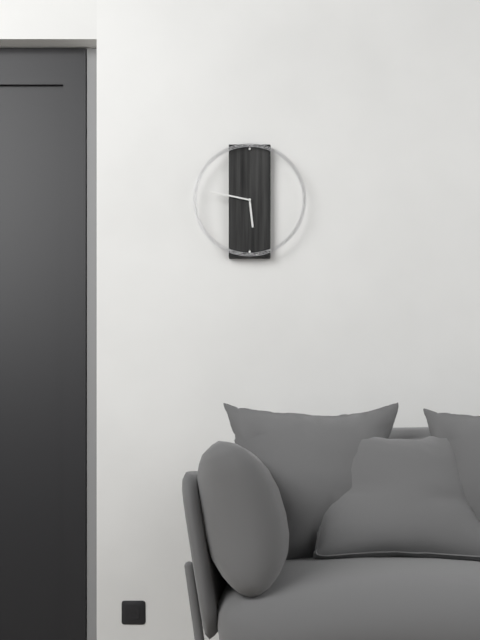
5:47
